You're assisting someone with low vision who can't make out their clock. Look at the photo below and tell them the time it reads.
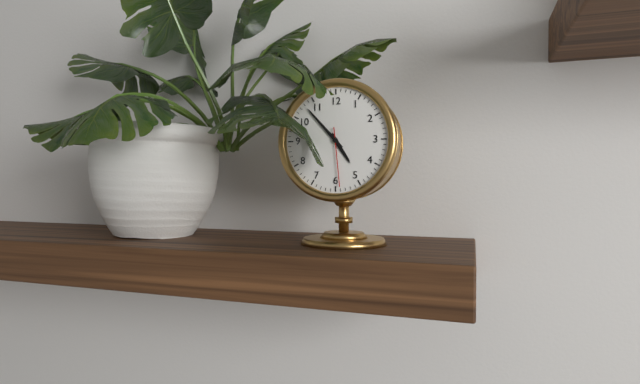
4:53:29
